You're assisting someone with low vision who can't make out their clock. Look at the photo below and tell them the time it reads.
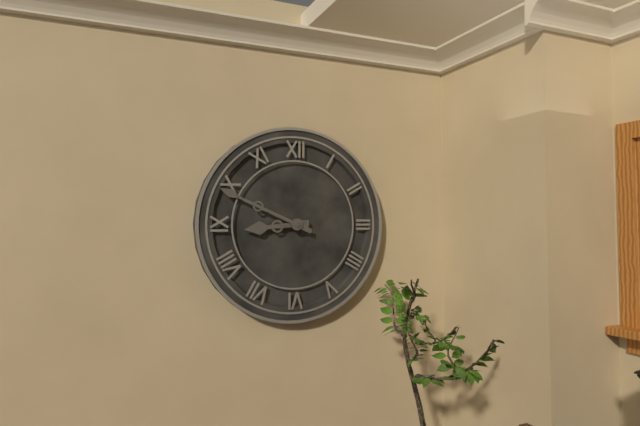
8:49
